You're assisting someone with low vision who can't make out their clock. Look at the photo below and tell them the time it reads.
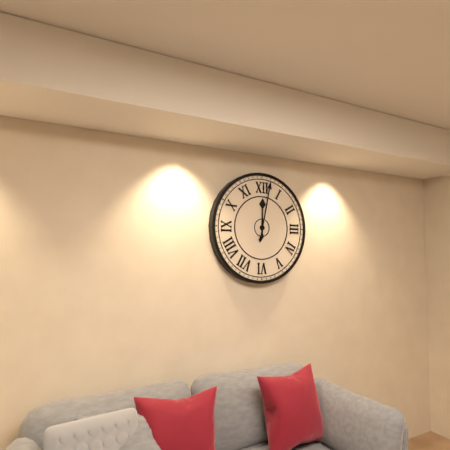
12:02
